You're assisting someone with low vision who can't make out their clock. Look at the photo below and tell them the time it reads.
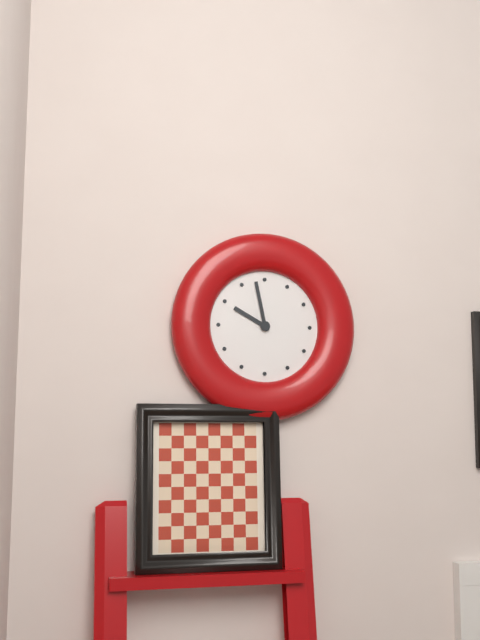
9:58
